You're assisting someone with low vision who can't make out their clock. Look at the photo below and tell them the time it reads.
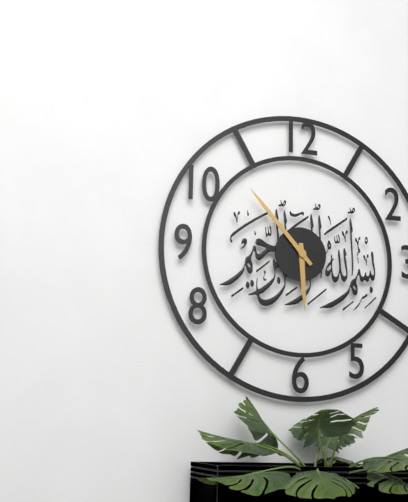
5:53
